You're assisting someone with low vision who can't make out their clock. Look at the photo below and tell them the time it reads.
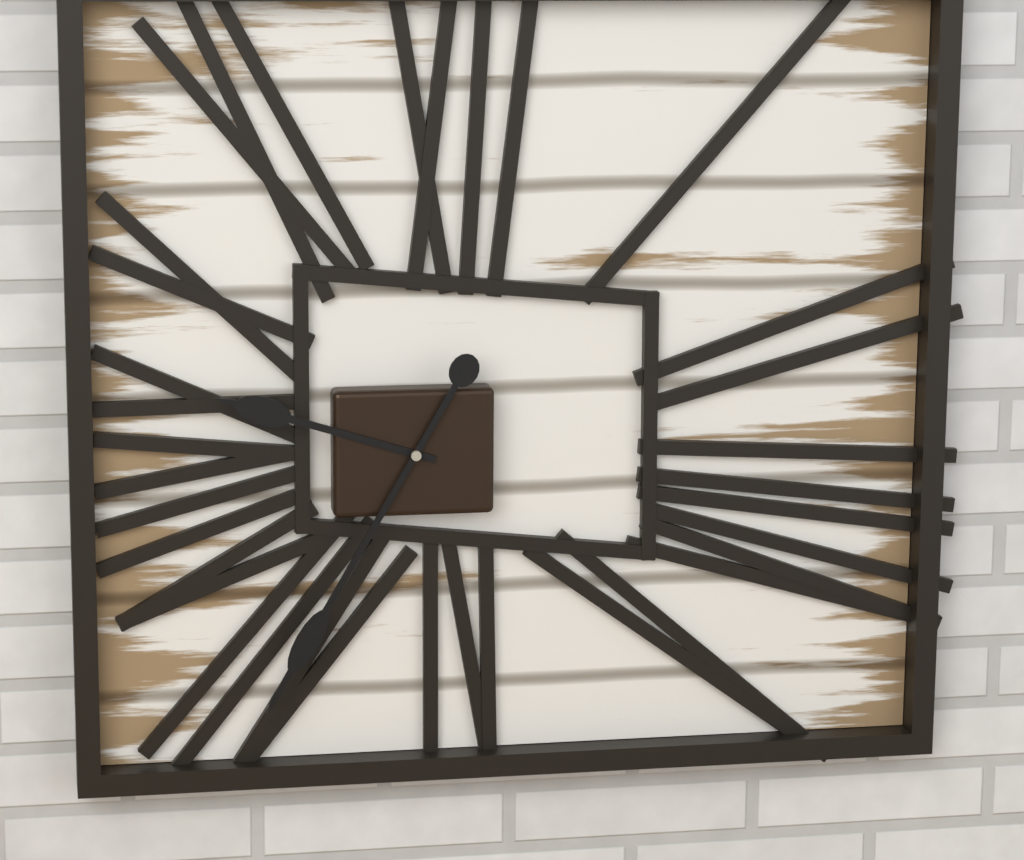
9:35
